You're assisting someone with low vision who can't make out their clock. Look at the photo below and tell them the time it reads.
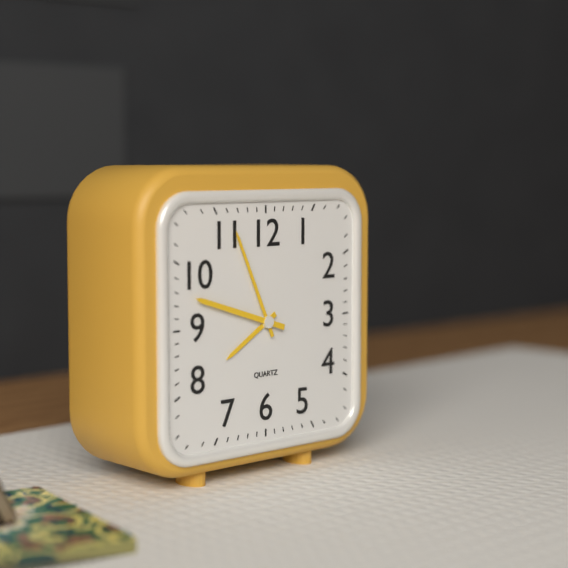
7:56:48
